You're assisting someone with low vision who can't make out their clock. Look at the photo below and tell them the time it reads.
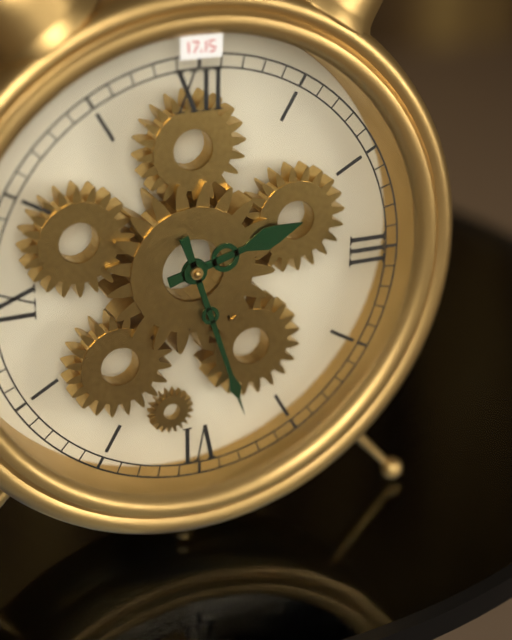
2:27
